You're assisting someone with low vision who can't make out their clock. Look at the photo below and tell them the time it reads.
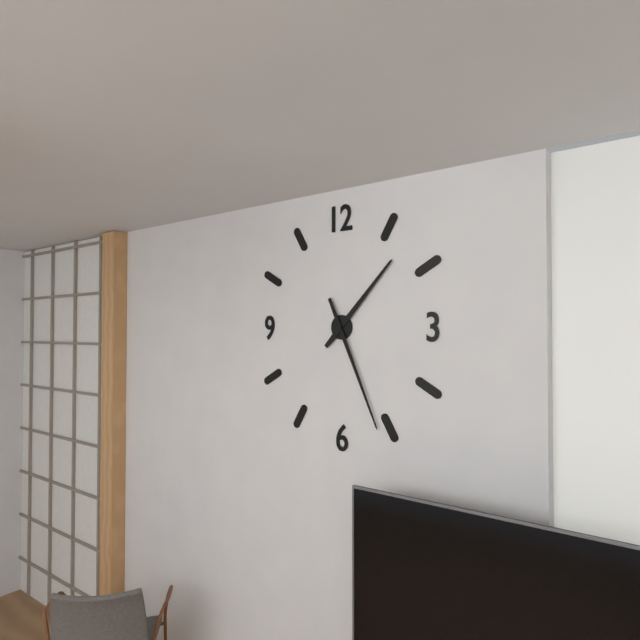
1:26
